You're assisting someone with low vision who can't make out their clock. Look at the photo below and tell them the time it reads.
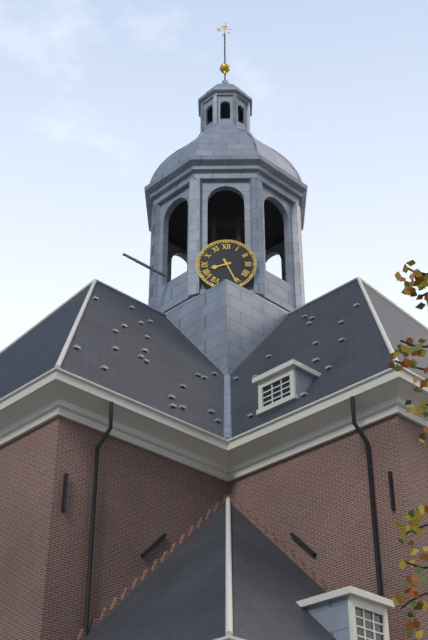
8:26
